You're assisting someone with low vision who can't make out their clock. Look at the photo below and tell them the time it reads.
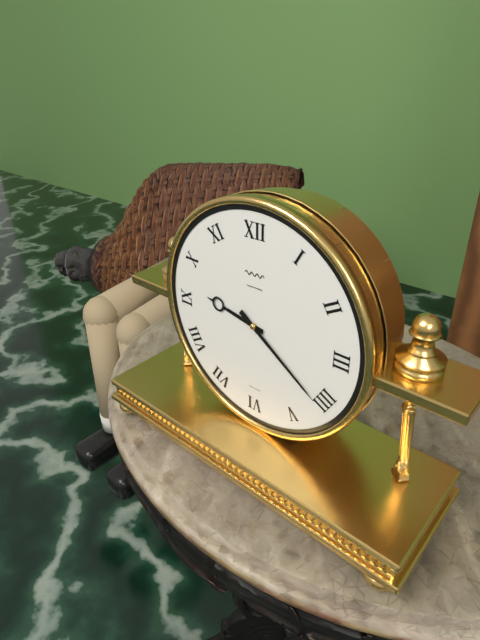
9:21
